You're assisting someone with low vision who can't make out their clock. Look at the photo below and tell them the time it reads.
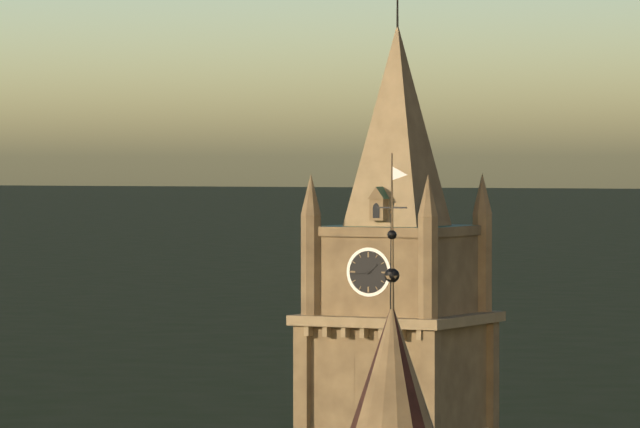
1:44
